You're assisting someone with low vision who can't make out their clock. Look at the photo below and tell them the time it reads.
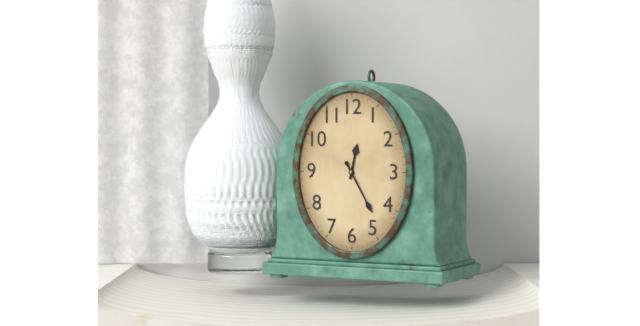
12:25
